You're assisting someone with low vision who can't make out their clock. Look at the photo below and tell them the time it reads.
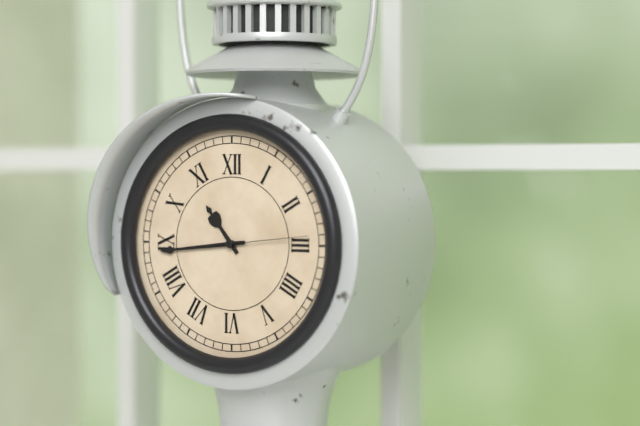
10:44:14
